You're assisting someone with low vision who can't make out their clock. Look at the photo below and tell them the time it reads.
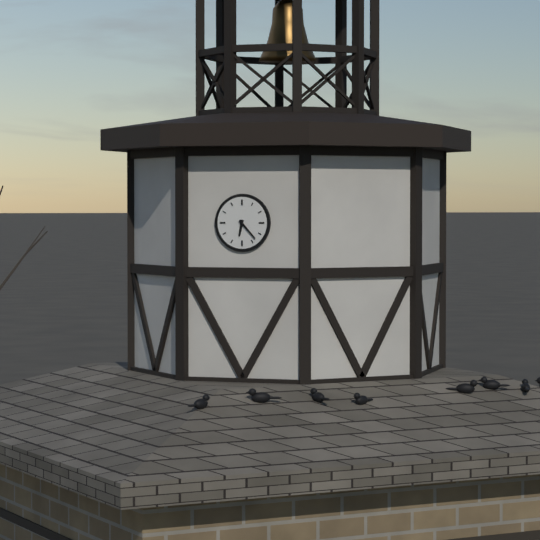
6:23
